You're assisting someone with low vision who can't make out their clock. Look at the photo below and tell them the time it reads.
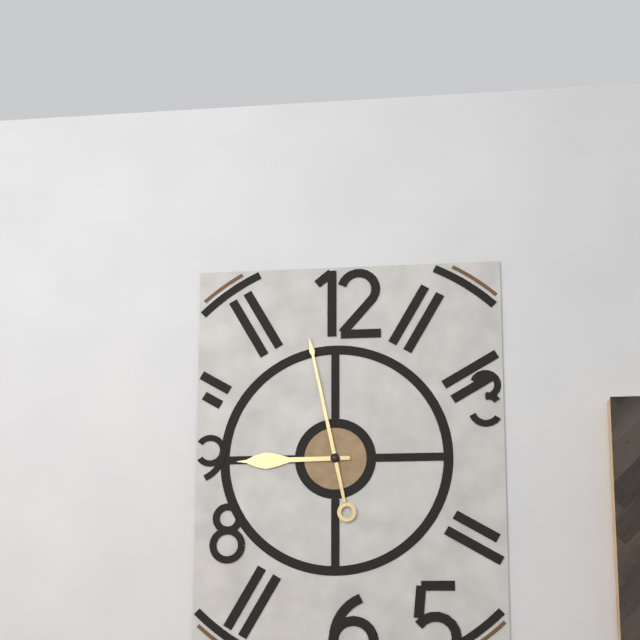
8:58
